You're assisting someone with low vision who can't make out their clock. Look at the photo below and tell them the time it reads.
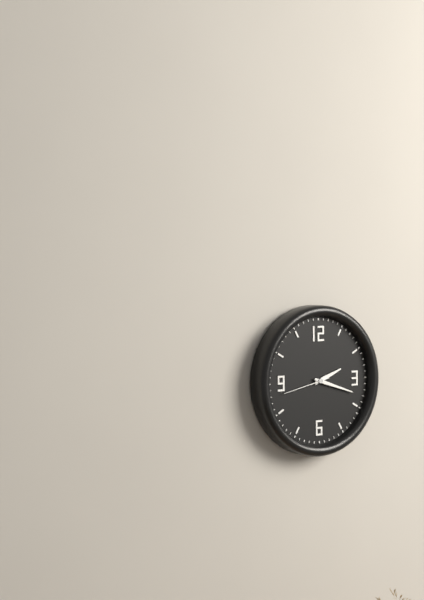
2:18
